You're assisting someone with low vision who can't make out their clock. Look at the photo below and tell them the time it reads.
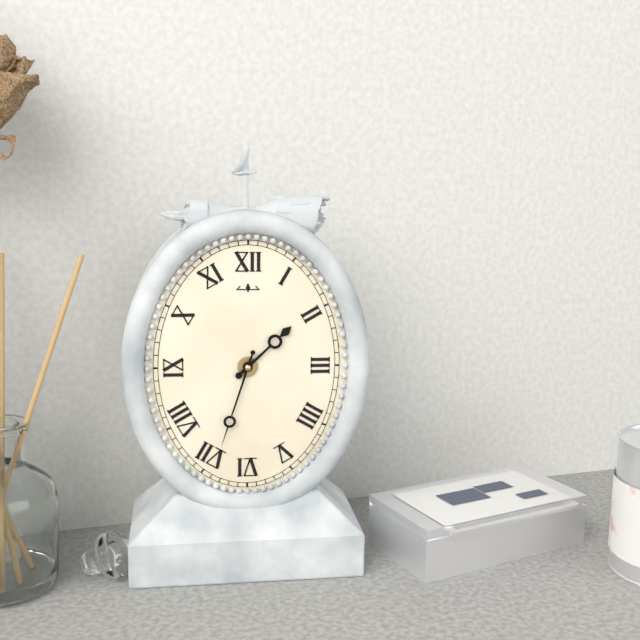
1:33
